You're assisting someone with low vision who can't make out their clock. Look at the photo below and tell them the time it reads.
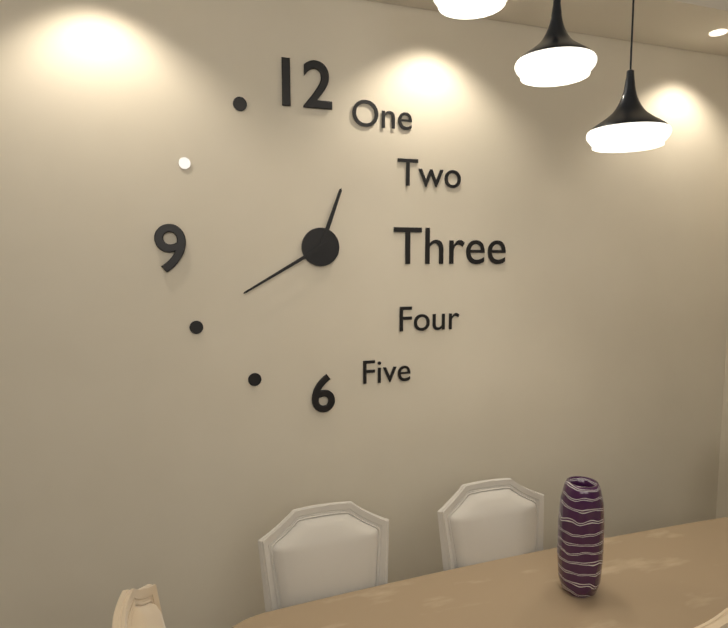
12:40
